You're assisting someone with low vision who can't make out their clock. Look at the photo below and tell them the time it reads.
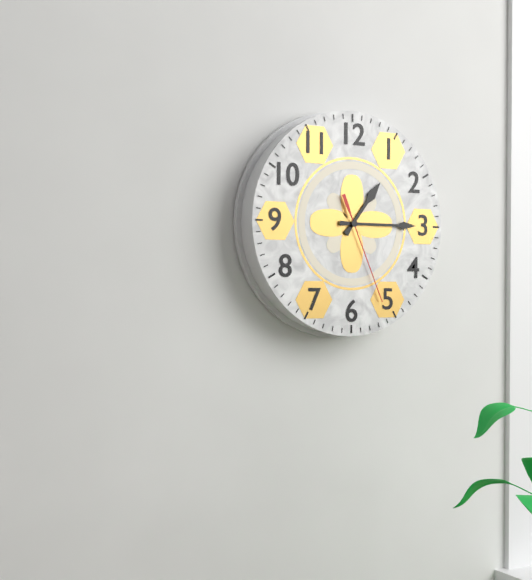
1:15:26
